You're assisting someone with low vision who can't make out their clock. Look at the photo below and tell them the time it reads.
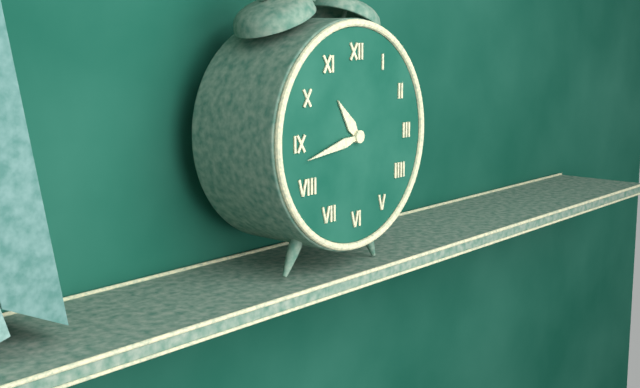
10:43
